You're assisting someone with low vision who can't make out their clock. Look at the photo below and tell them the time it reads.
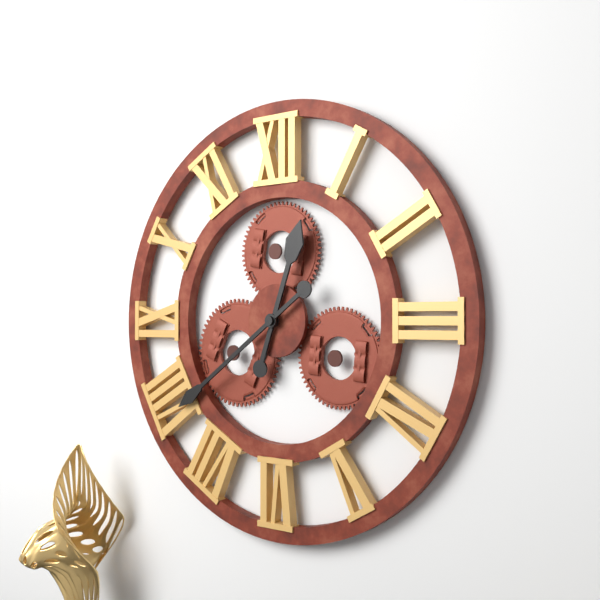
12:39
